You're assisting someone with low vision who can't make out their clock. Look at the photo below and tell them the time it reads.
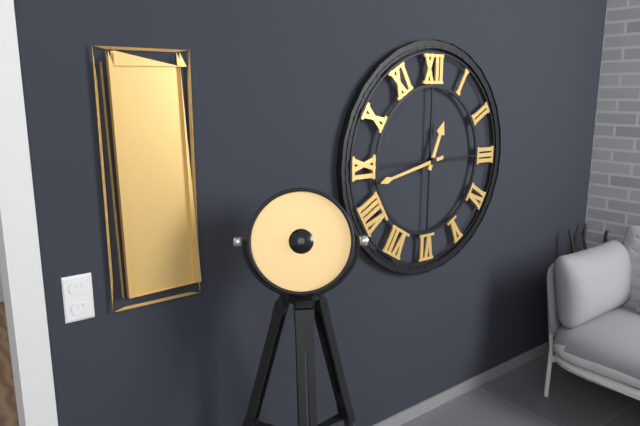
12:43
